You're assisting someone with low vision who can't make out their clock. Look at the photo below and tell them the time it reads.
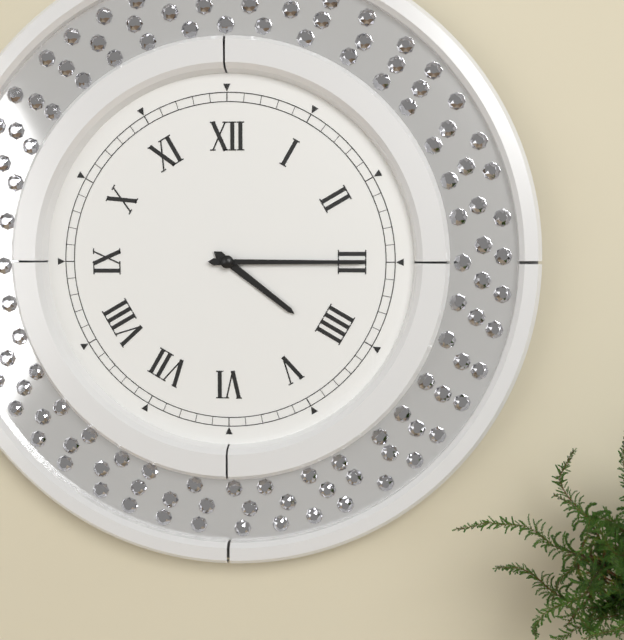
4:15
